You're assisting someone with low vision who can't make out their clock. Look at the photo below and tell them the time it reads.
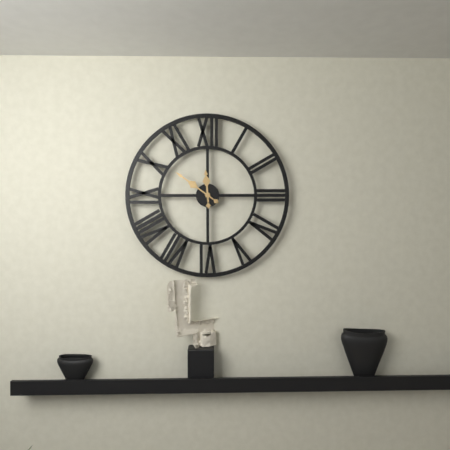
11:51
